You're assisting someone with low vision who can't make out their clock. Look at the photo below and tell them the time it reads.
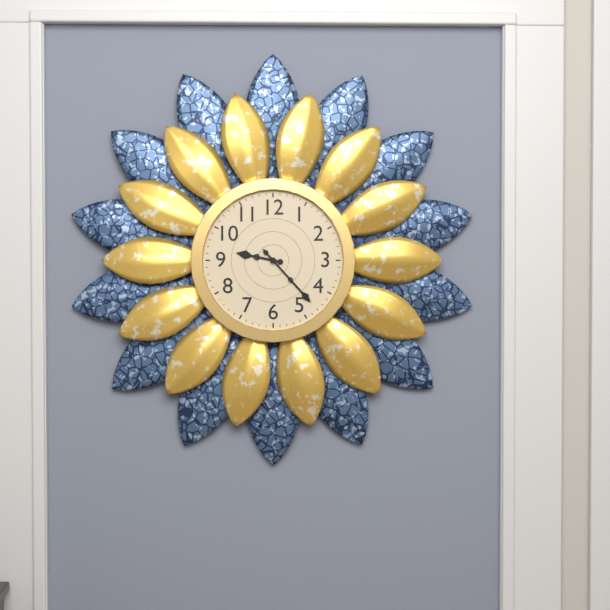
9:23:23
